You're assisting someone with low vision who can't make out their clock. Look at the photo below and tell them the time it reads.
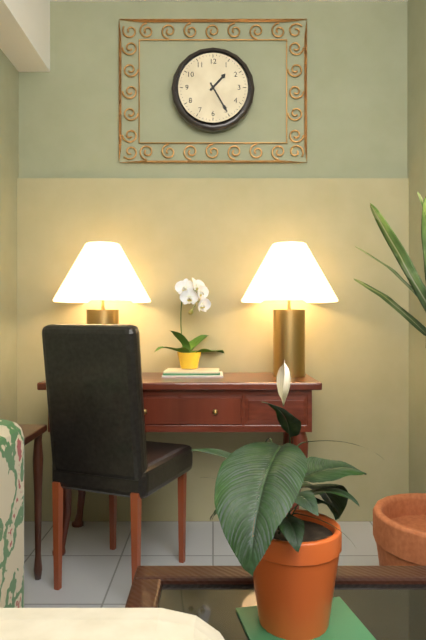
1:25
